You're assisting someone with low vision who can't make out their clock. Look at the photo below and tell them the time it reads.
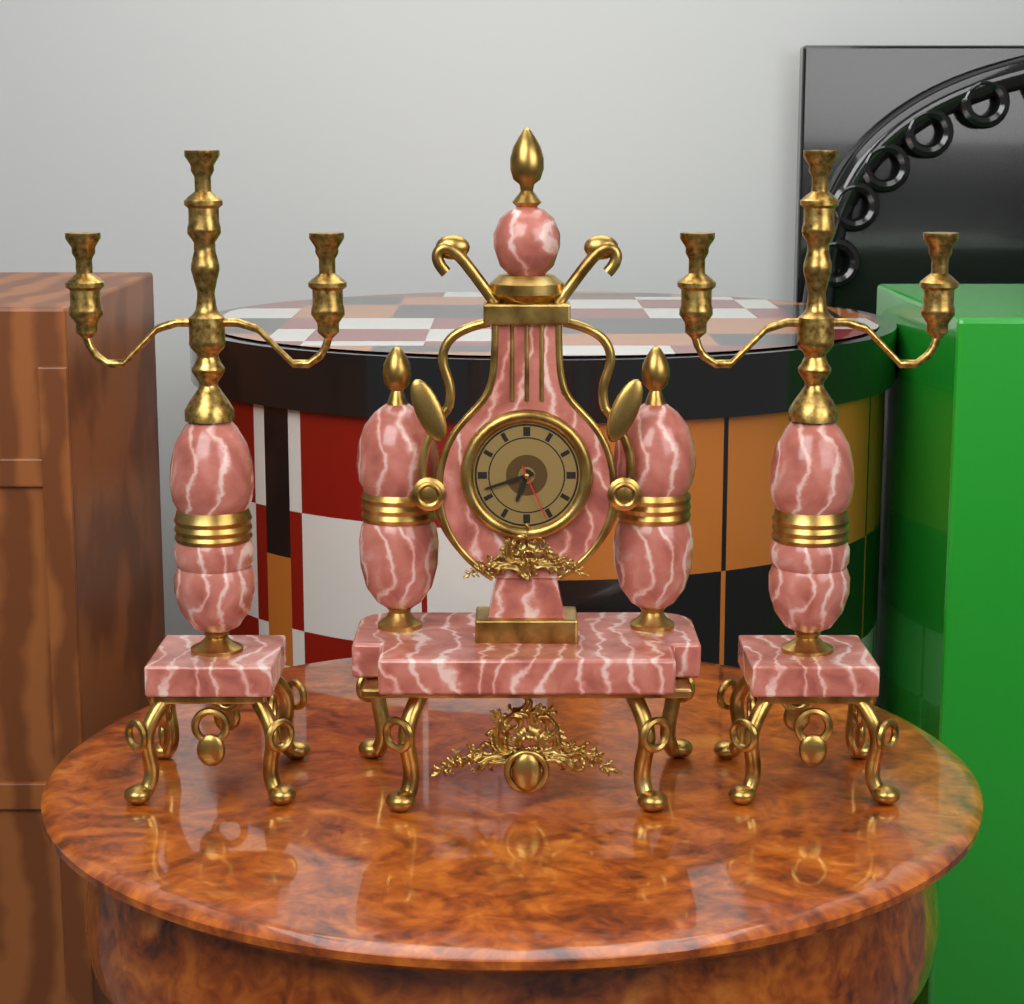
6:42:26
